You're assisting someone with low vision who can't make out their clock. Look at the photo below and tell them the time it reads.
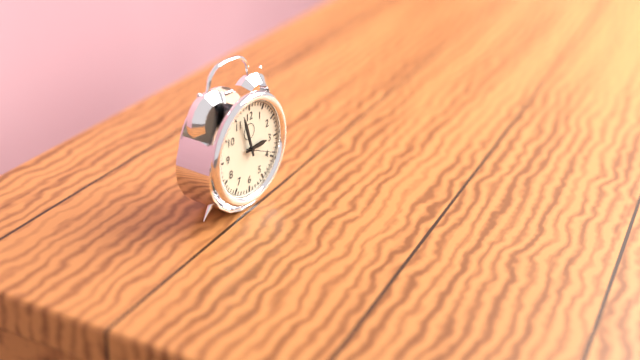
2:57
